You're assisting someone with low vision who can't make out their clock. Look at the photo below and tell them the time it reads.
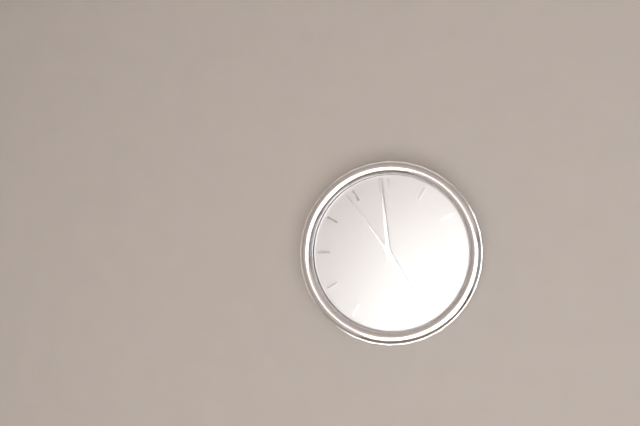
4:59:54
